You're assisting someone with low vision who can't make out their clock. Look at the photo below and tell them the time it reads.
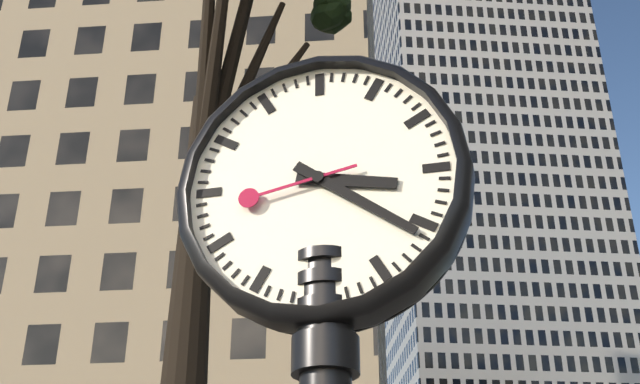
3:21:43
